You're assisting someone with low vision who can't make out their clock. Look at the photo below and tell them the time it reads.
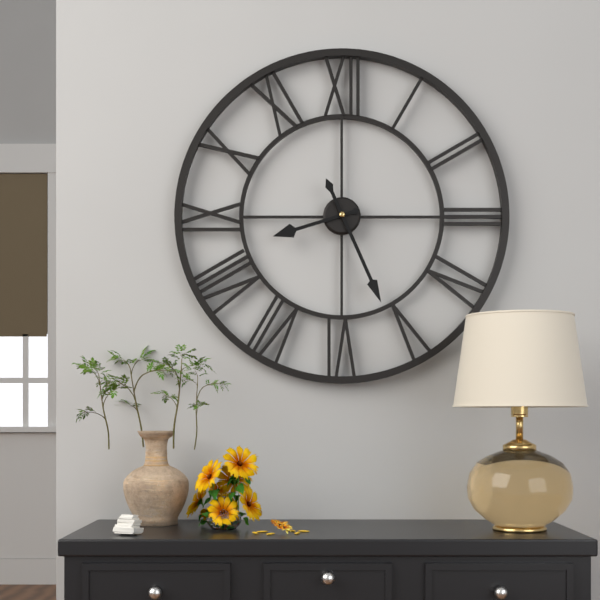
8:26
